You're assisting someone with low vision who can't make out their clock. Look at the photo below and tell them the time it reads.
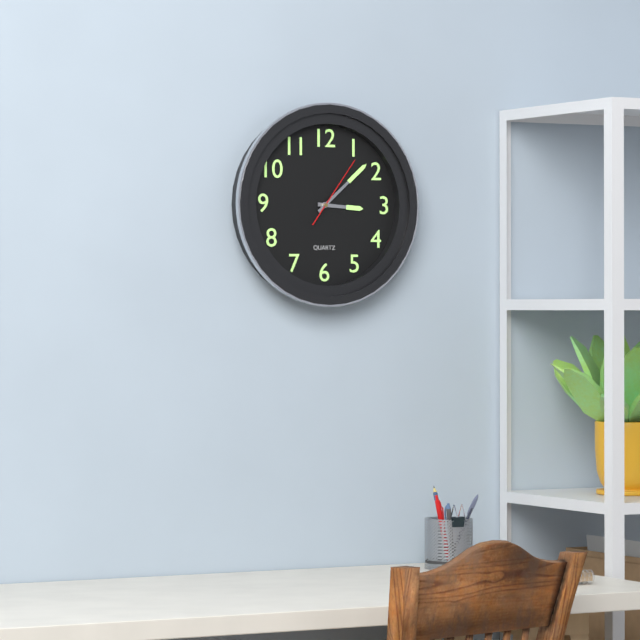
3:08:06
